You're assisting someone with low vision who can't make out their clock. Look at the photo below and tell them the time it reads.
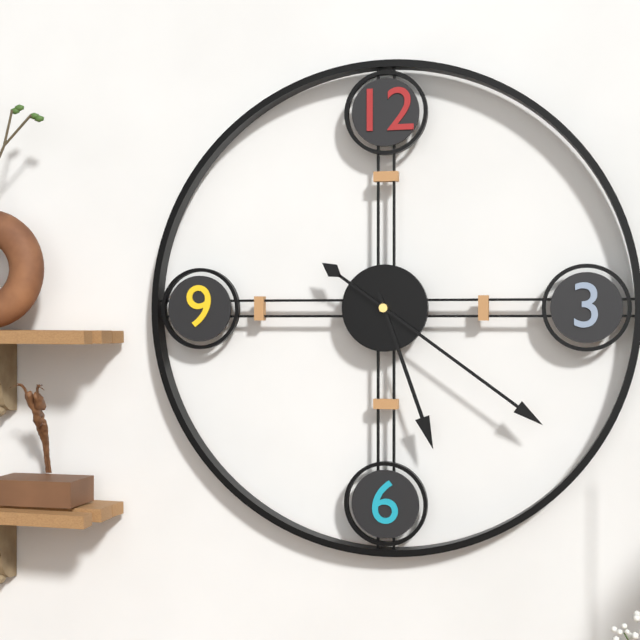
5:21
